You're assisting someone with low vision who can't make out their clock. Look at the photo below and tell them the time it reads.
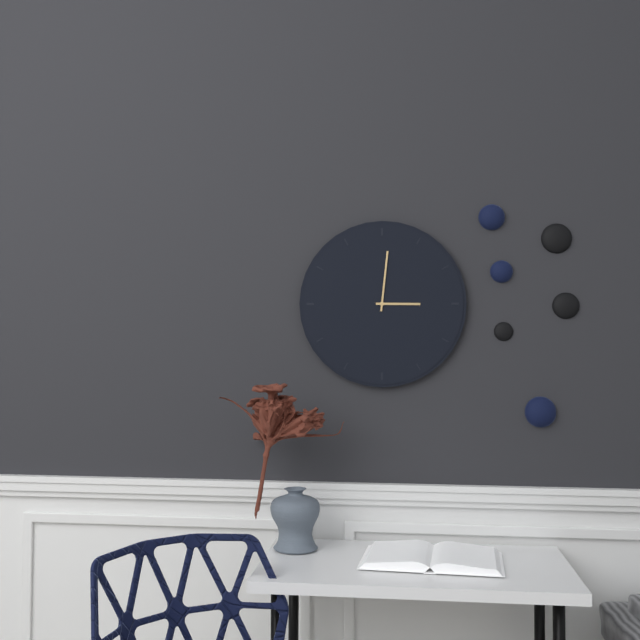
3:01
